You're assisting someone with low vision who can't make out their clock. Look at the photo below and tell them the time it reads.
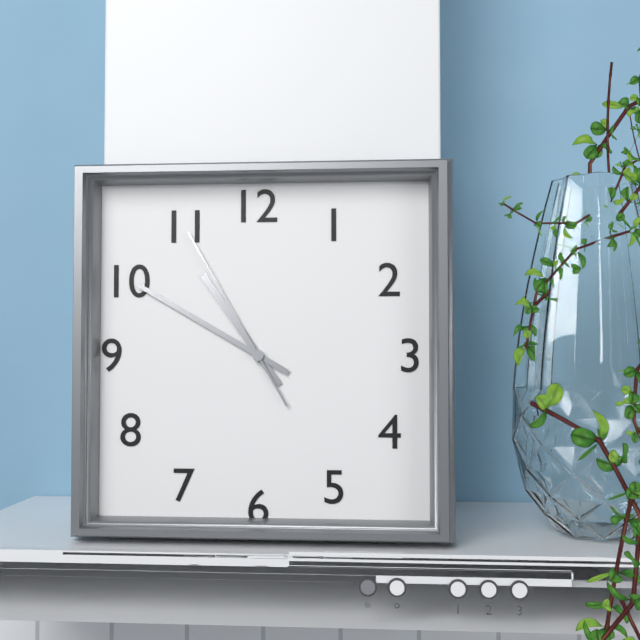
10:50:55
